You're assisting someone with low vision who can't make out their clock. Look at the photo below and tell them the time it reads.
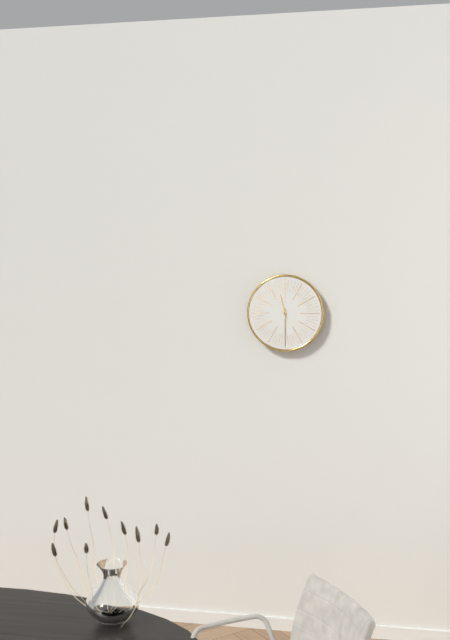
11:30
